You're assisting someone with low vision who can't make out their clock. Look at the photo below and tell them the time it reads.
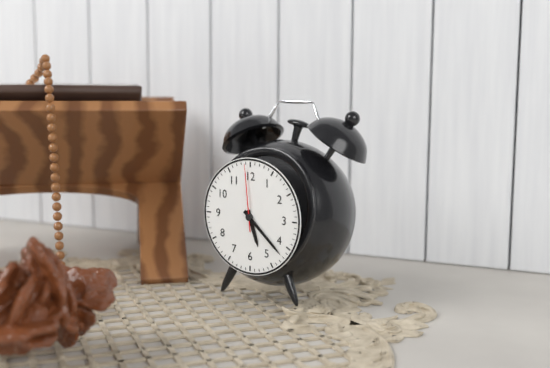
5:22:59
